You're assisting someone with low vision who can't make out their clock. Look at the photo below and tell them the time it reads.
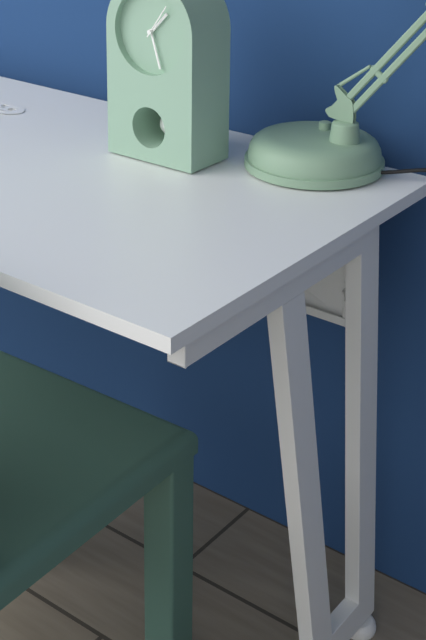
1:27
